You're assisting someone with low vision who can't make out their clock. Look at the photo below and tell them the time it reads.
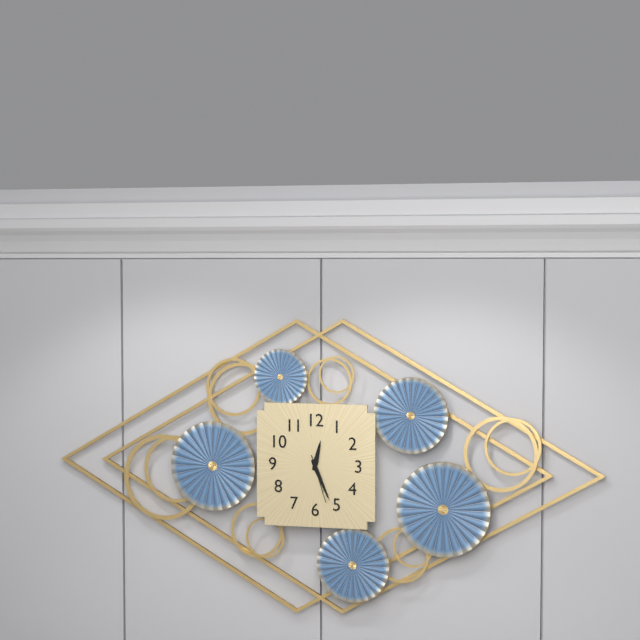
12:26
